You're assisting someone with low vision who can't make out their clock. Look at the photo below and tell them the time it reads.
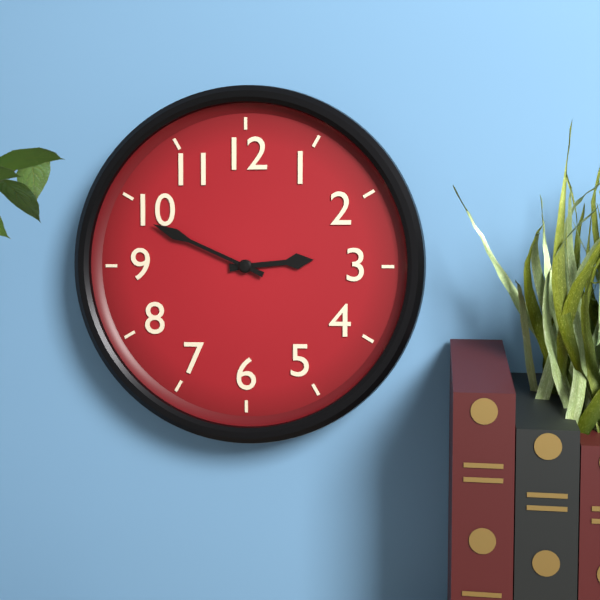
2:49
